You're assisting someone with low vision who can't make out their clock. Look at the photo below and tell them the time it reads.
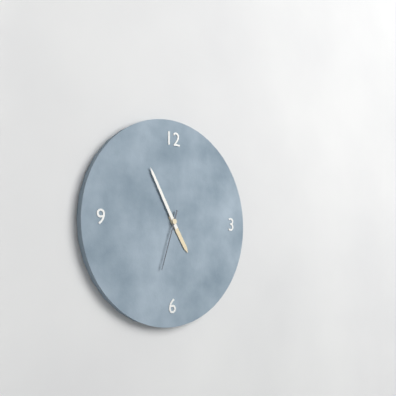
4:55:33
